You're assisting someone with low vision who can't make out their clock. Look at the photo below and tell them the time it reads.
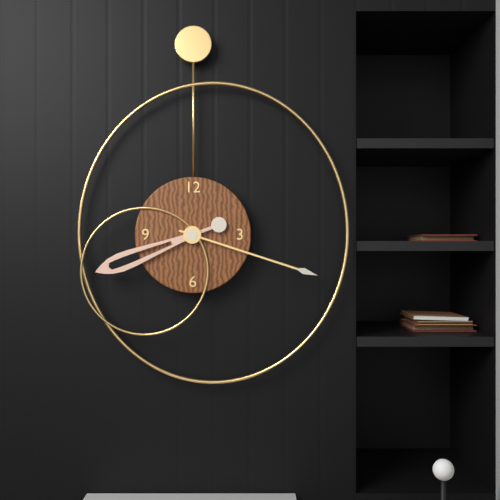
8:18
